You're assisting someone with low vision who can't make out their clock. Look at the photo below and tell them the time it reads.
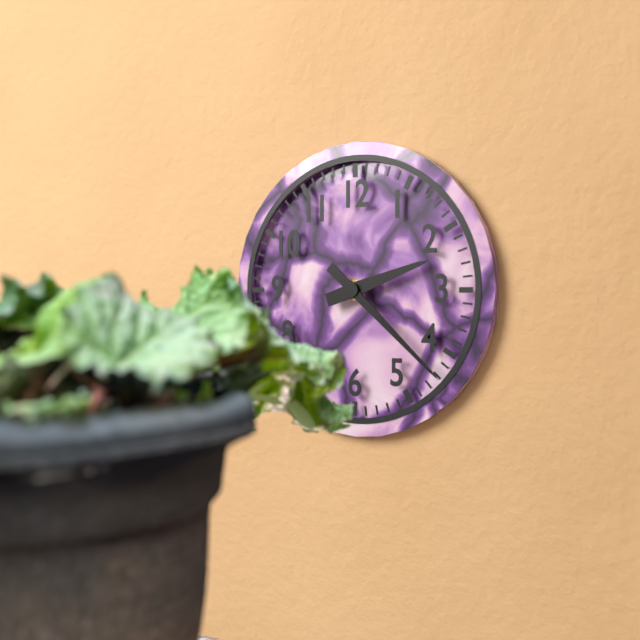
2:22
